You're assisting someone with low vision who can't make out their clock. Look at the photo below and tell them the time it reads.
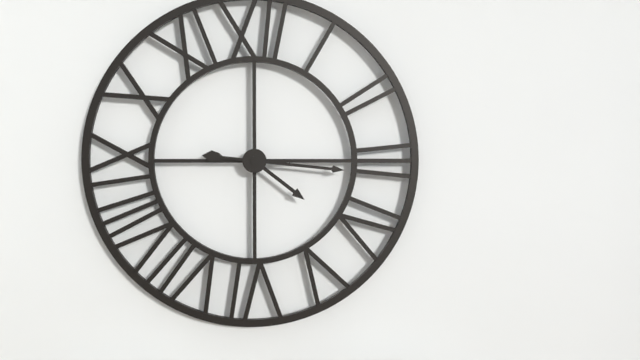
4:16
